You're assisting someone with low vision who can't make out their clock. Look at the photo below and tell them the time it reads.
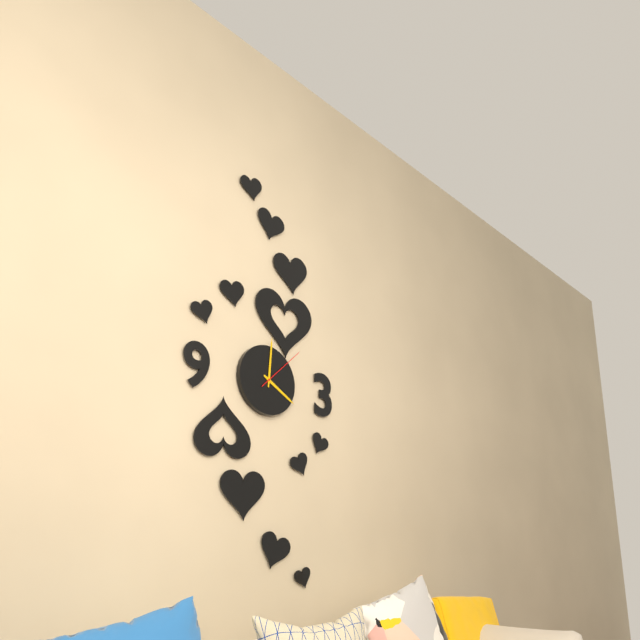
4:01:08
